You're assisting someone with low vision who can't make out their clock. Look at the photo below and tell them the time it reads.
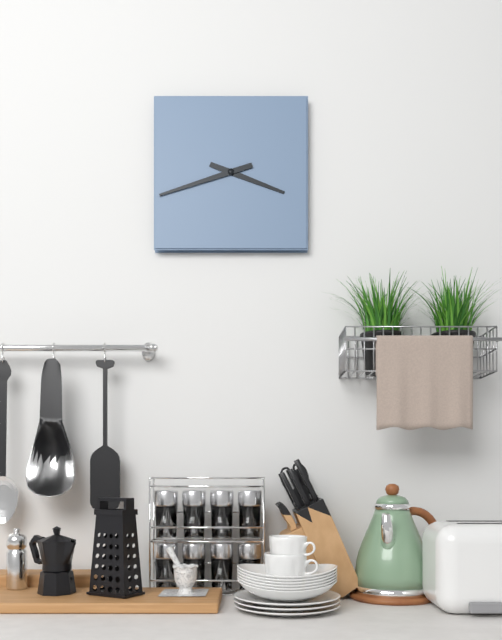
3:42
